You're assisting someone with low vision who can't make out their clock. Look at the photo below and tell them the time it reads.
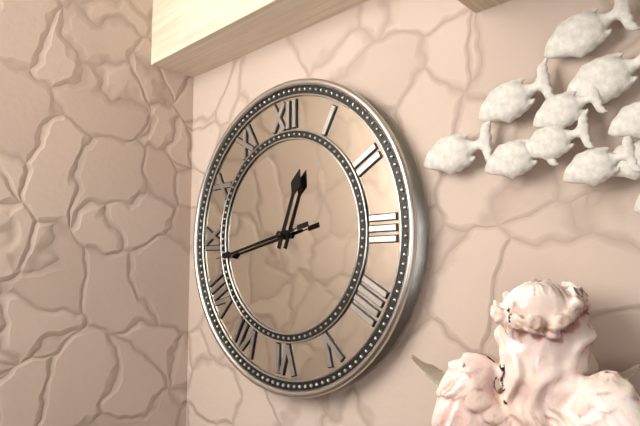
12:43:43
